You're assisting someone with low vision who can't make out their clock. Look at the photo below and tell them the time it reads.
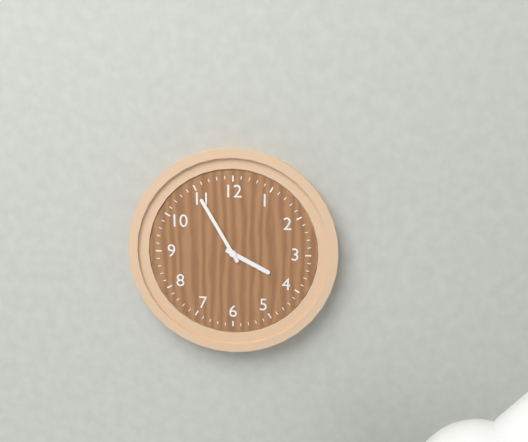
3:55
